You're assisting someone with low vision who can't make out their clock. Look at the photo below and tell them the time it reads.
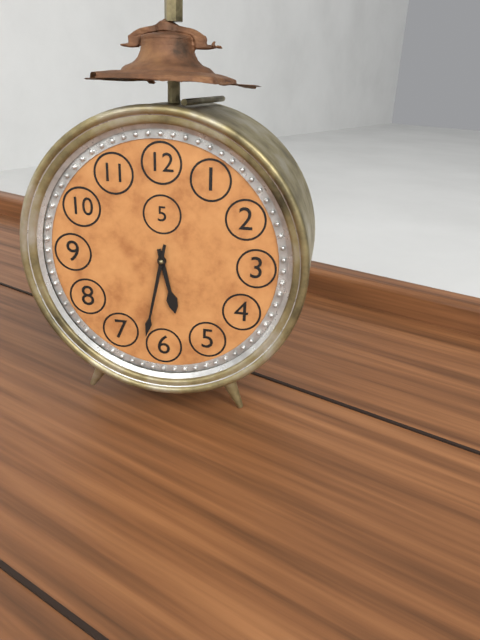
5:32
